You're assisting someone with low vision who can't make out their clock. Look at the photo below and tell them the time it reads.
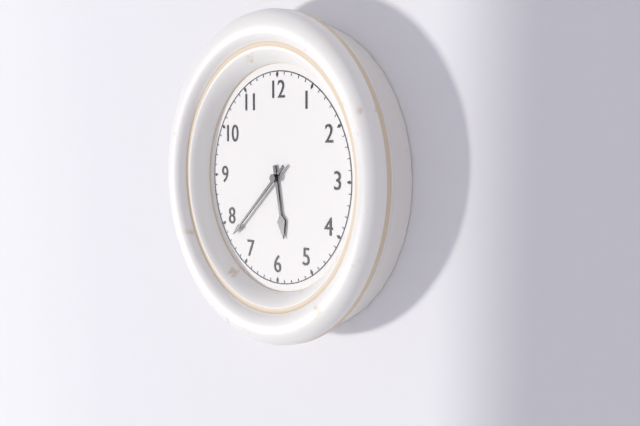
5:38
